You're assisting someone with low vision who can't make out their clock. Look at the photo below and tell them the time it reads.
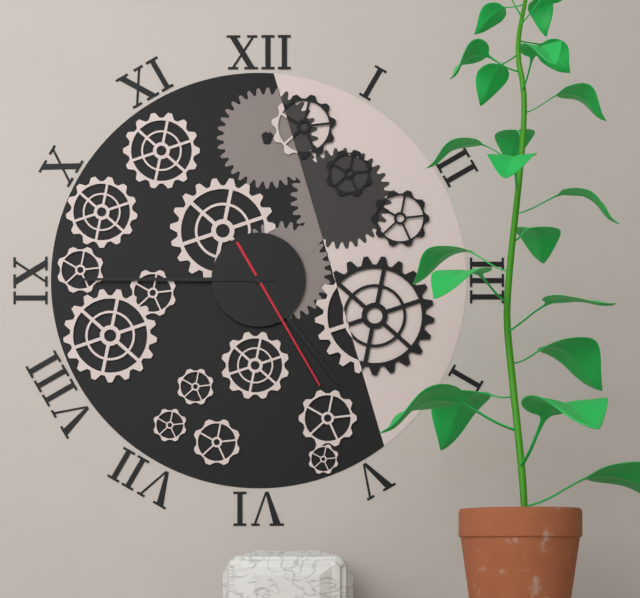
4:45:25
